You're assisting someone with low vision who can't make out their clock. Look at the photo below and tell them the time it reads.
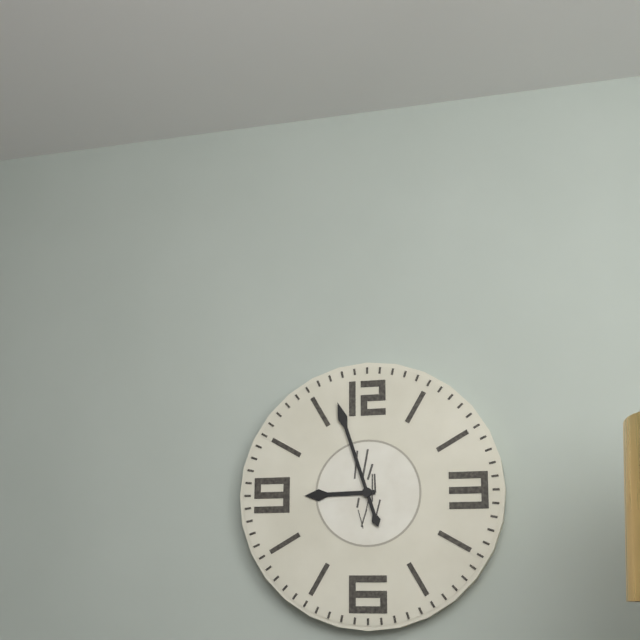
8:57
